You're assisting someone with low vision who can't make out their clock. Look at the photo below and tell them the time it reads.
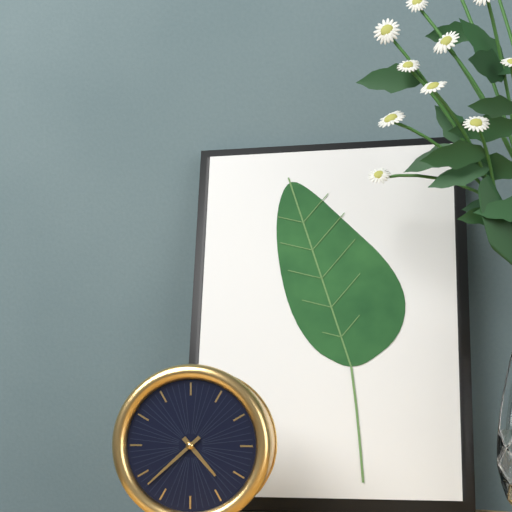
4:38
